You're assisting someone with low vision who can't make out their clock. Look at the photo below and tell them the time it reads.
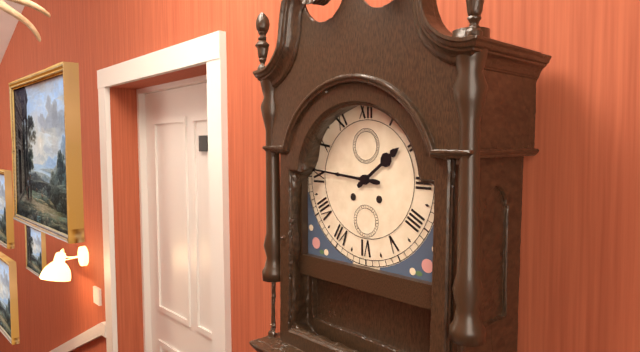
1:46
